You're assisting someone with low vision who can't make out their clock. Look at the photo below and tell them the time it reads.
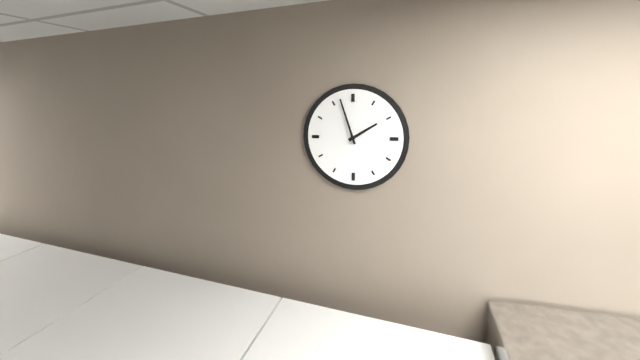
1:57
